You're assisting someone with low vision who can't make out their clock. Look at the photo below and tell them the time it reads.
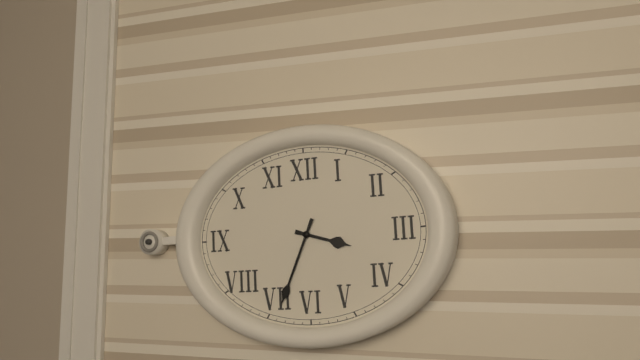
3:34
